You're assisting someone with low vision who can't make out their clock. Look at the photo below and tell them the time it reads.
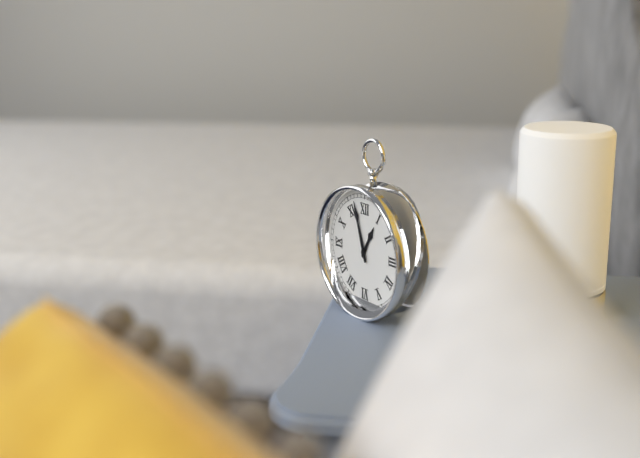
12:57
